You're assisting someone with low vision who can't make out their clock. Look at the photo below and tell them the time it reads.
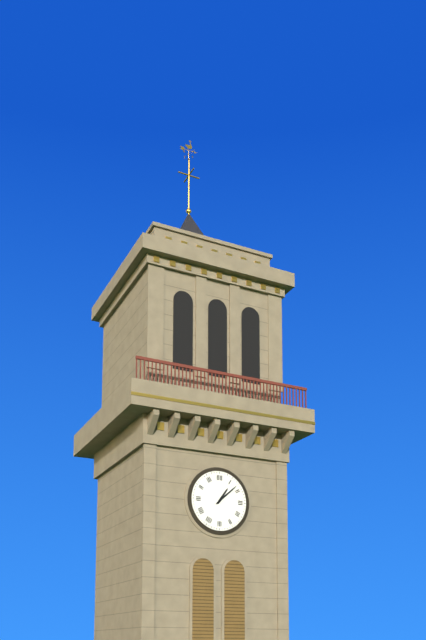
1:08
